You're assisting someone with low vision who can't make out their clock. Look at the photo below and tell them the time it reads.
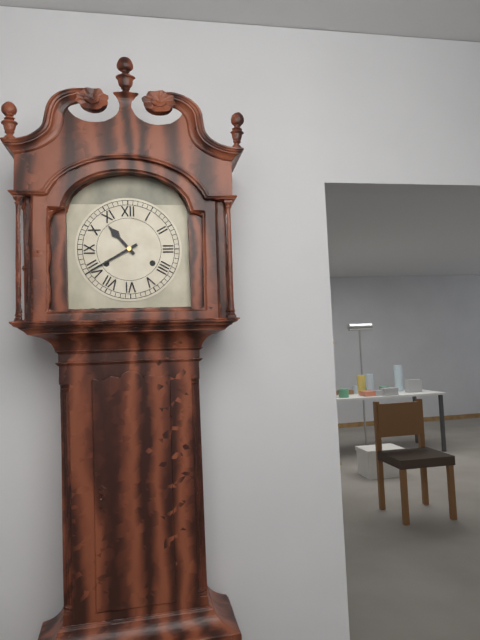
10:40
